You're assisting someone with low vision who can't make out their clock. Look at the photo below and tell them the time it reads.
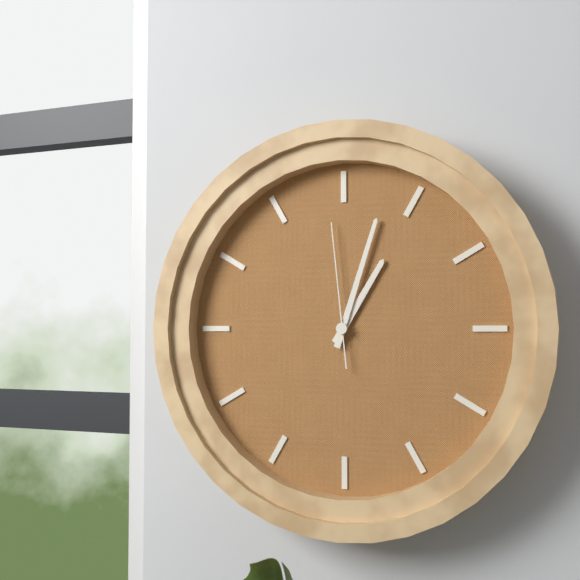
1:03:59
